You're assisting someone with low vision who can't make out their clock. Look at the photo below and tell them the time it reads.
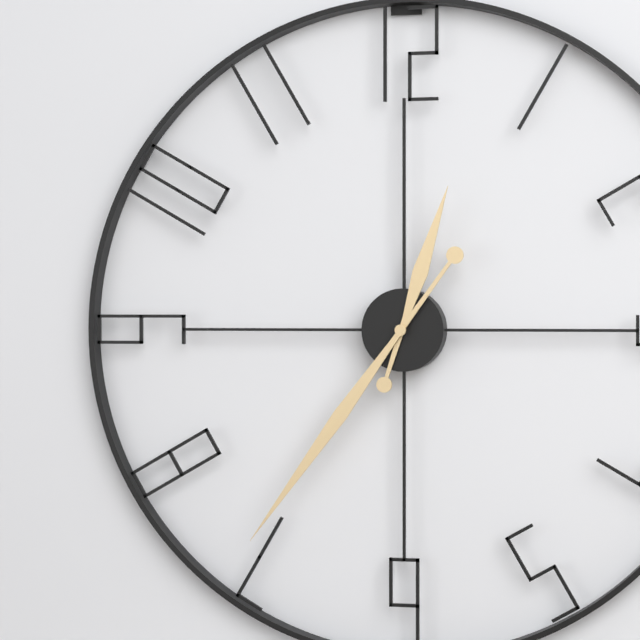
12:36
